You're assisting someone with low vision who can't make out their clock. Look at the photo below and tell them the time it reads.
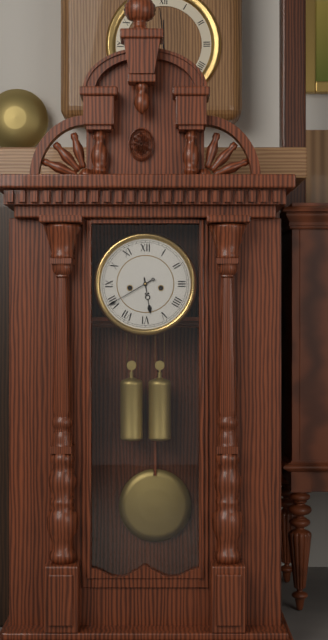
5:40
